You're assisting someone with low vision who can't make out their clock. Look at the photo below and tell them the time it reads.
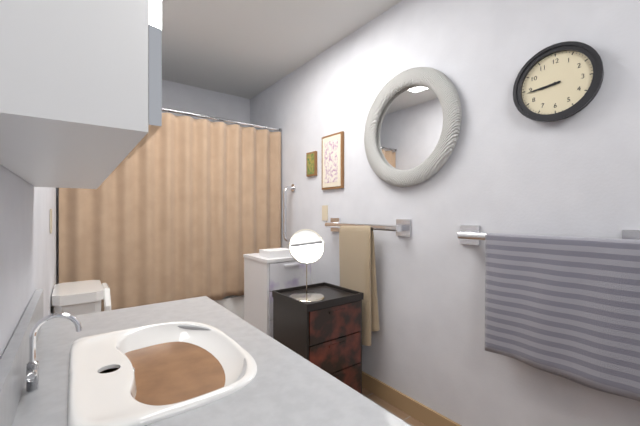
8:44
